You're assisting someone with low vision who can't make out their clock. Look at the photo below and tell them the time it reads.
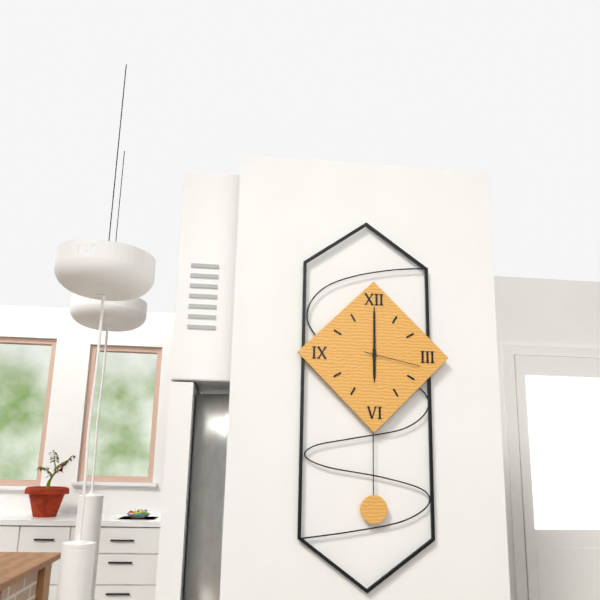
6:00:17
